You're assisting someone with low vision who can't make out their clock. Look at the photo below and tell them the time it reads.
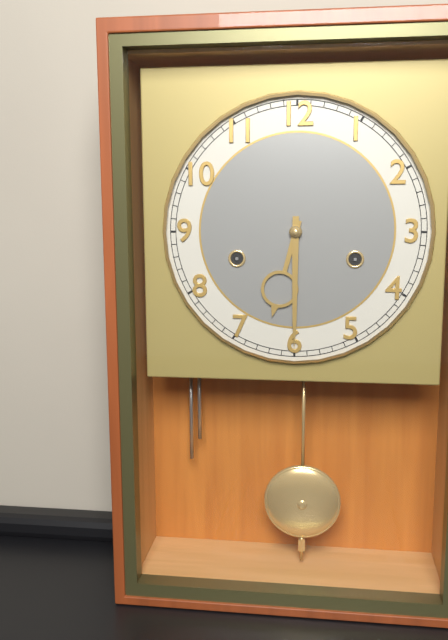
6:30
